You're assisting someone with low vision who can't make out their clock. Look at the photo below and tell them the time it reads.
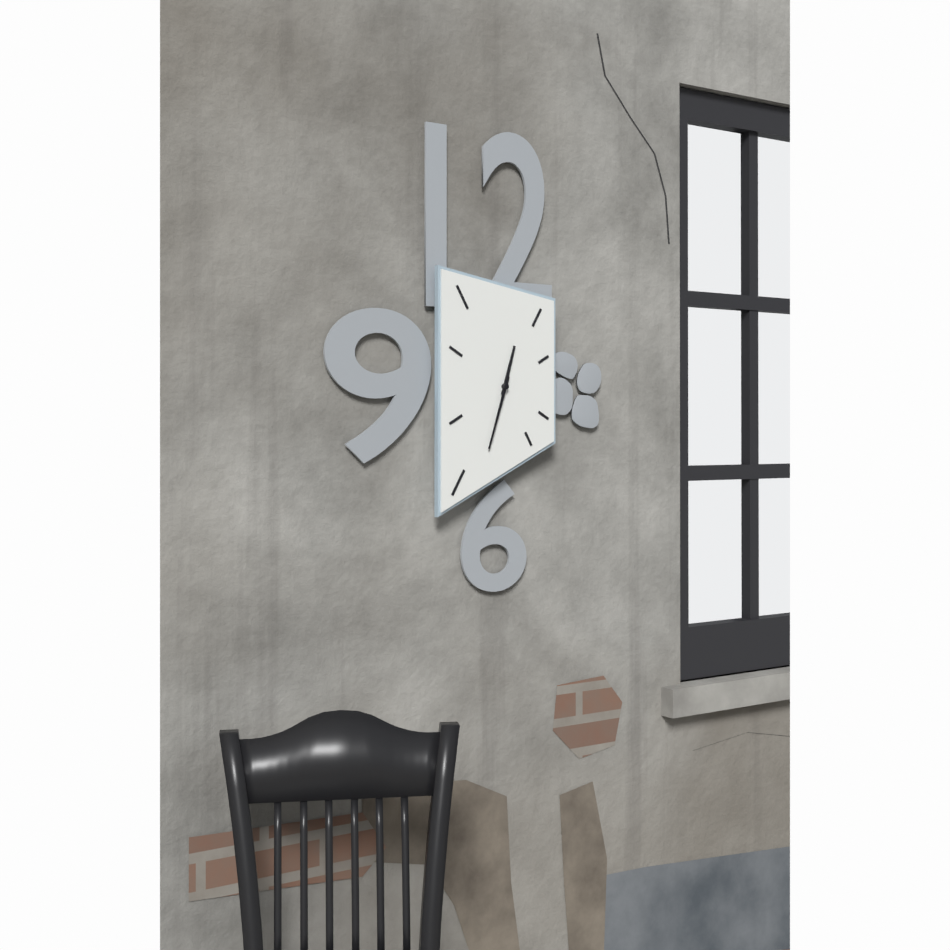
12:33
